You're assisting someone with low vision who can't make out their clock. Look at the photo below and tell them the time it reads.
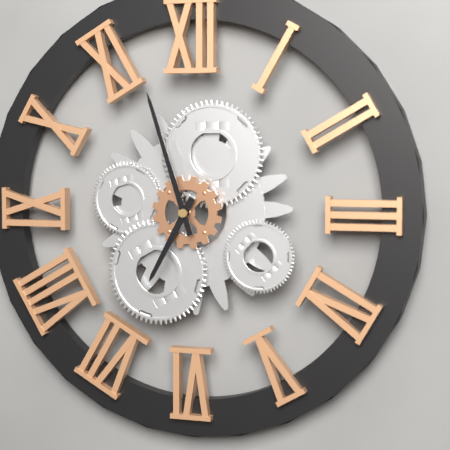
6:57
